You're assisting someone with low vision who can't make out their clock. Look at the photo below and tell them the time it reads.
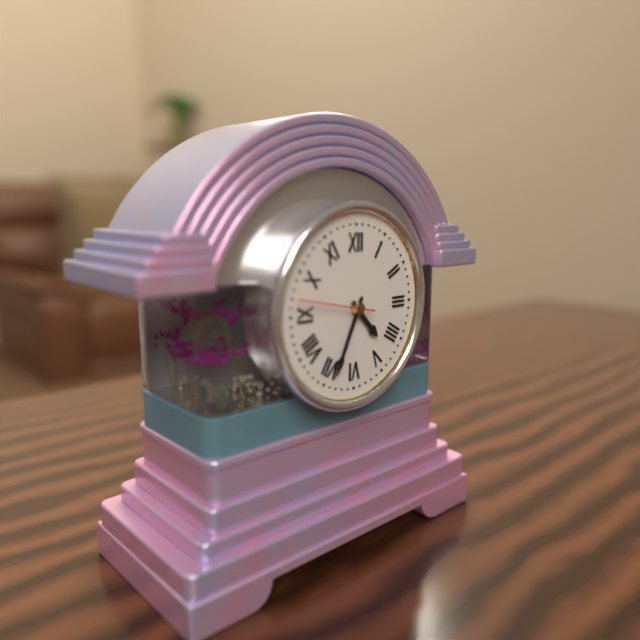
4:34
